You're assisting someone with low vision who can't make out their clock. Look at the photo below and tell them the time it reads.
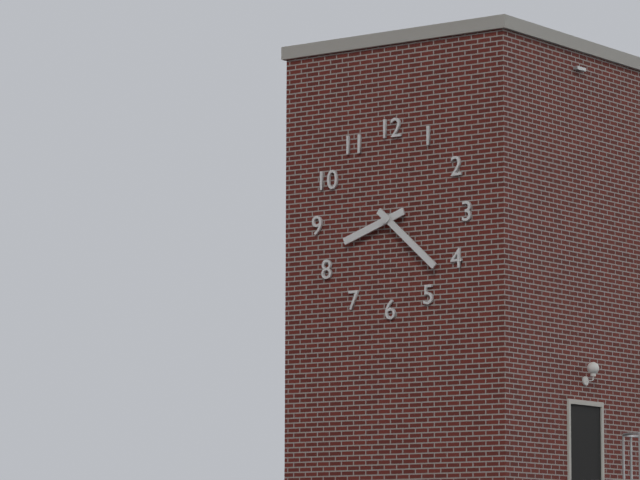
8:22
